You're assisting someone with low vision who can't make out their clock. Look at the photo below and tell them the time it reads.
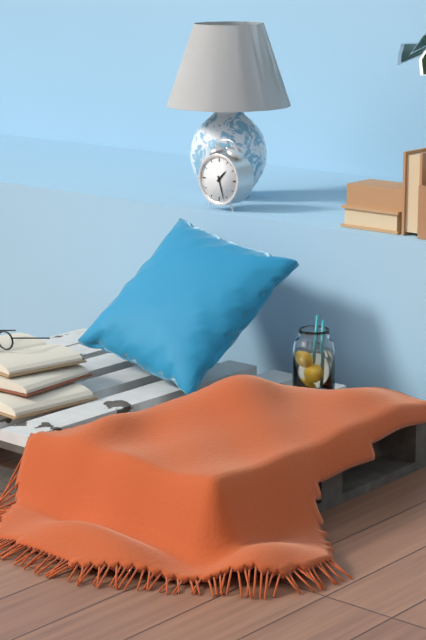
1:27
